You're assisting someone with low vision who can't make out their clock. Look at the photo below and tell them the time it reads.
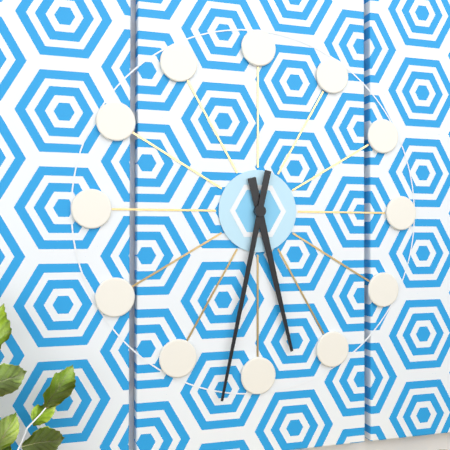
5:32
